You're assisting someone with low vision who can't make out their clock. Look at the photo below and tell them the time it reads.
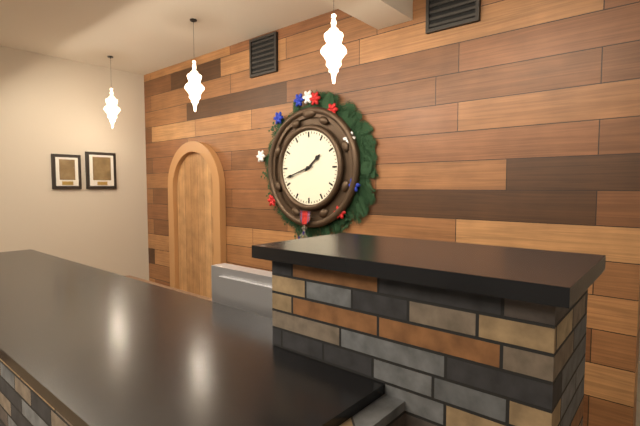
1:42
